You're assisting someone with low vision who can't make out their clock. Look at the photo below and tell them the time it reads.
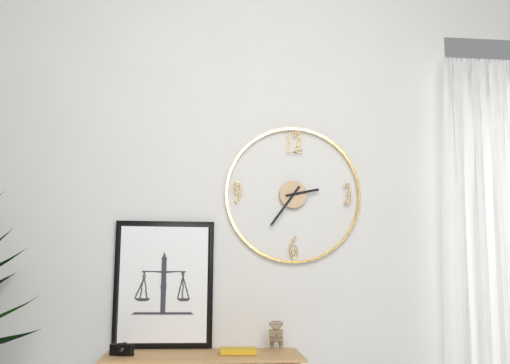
2:36
